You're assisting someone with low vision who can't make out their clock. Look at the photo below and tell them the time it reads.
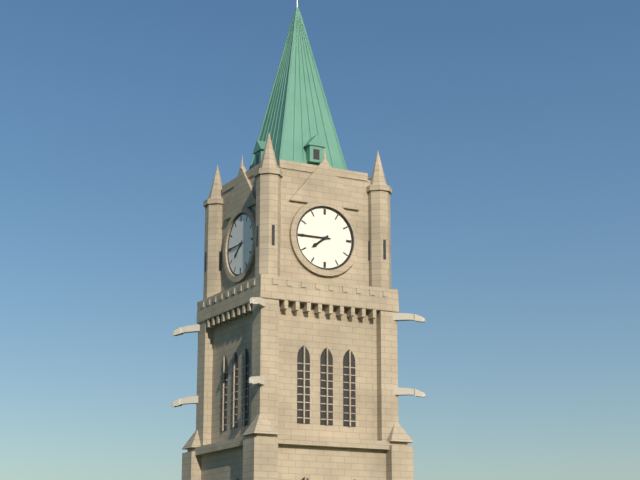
7:45
